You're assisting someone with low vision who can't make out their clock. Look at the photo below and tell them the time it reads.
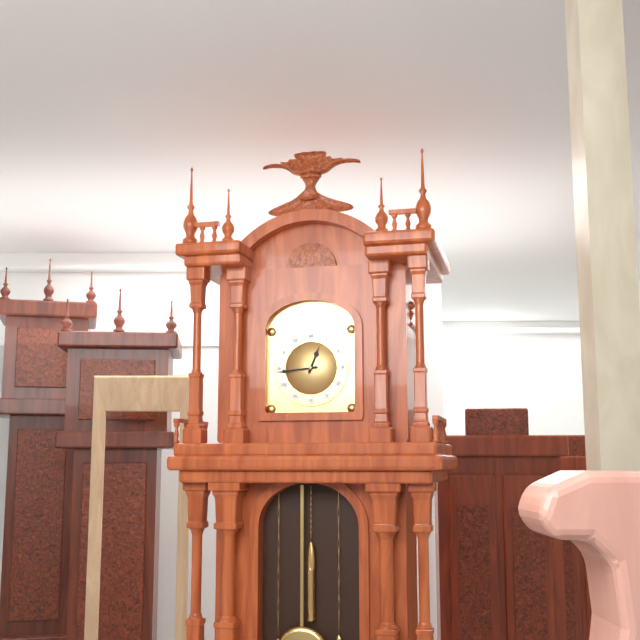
12:44
